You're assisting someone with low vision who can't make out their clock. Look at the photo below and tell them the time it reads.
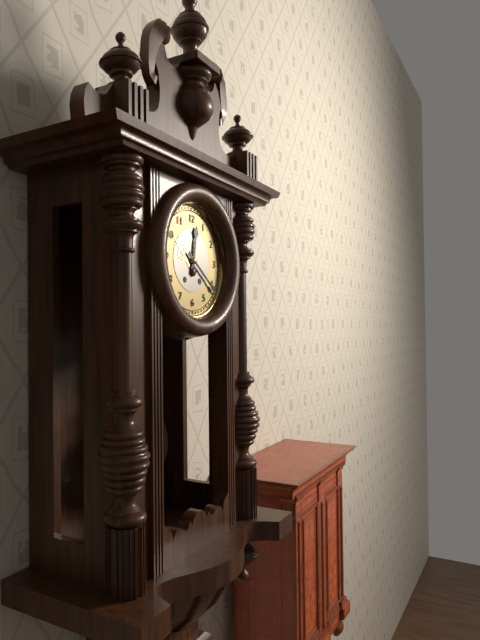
12:21
